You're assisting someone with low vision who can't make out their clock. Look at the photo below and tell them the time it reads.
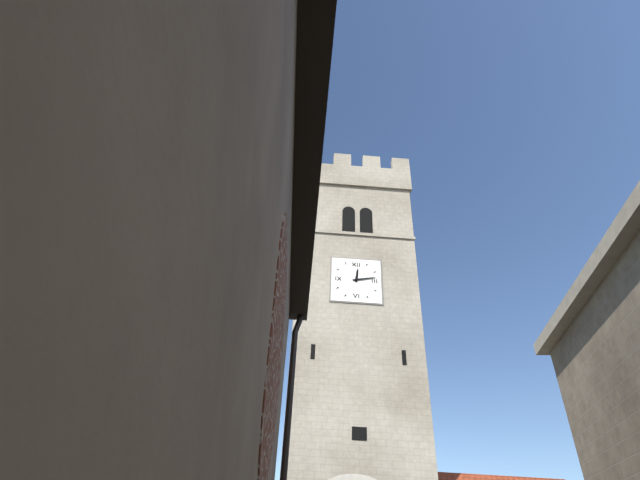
12:13
